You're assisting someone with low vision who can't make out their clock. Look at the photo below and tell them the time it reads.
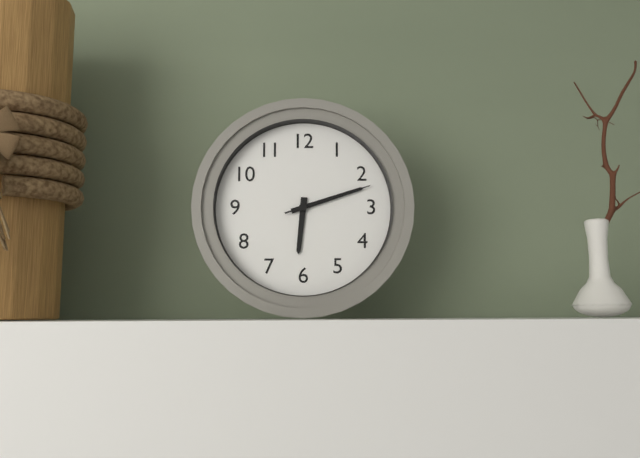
6:12:12
